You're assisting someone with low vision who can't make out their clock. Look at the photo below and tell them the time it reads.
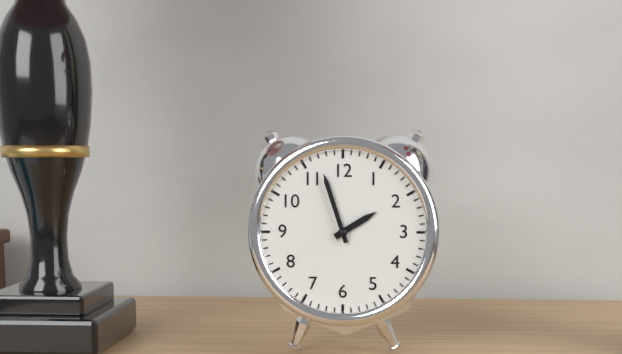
1:57
